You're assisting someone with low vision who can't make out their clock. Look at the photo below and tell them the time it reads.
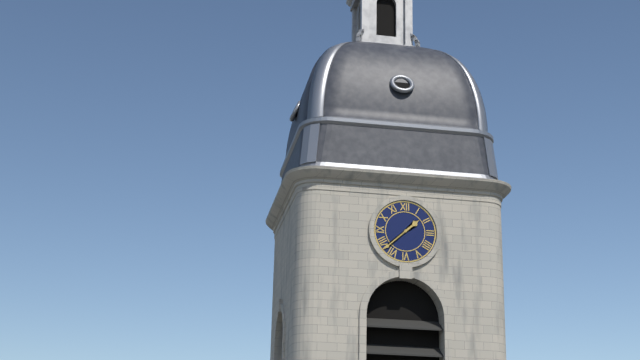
1:38
